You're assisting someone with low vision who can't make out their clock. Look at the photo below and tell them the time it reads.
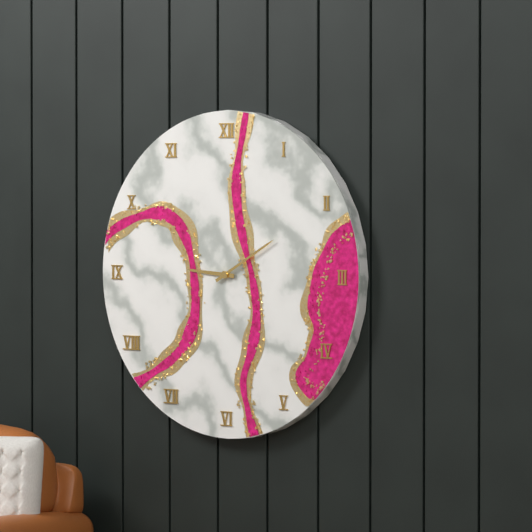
9:10
